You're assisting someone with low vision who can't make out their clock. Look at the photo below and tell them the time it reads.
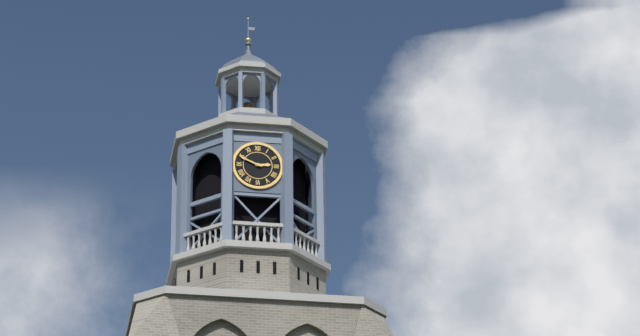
2:49
